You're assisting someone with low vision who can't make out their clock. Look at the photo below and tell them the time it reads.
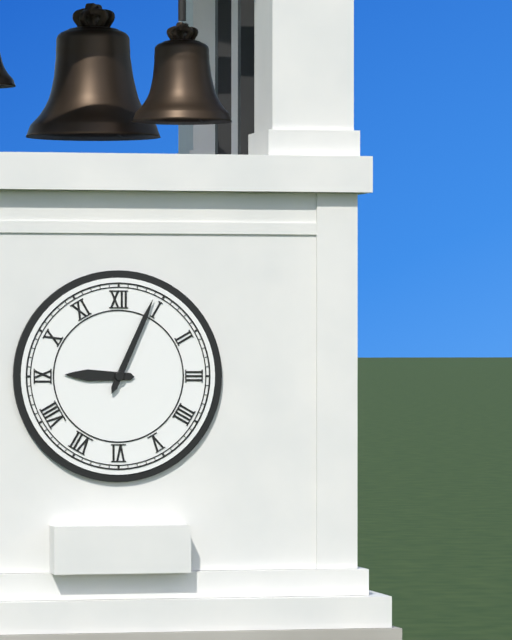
9:04
